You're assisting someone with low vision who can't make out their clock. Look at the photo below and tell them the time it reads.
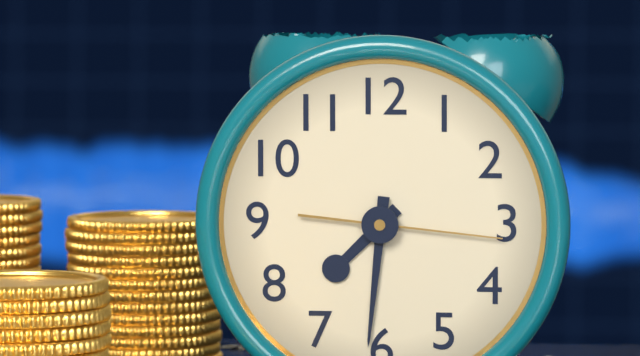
7:31:16
